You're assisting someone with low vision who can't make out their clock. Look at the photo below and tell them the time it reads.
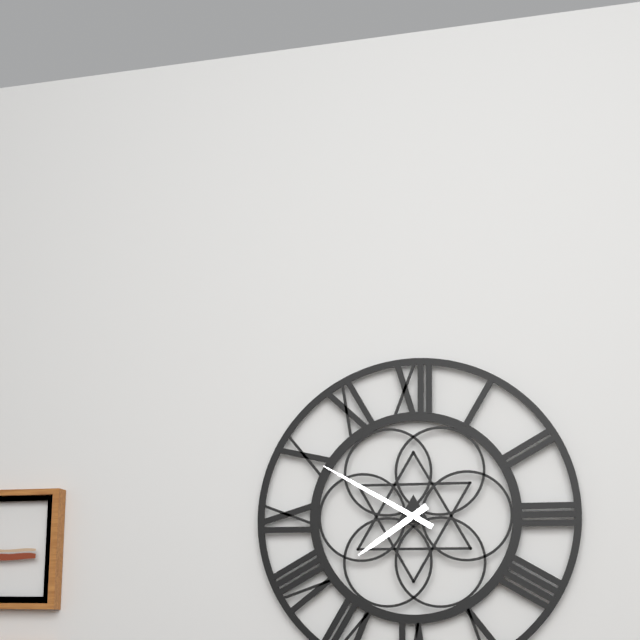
7:50
